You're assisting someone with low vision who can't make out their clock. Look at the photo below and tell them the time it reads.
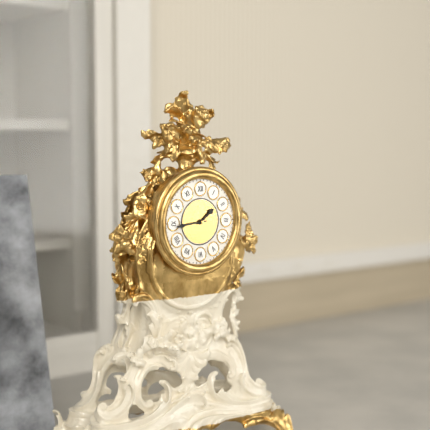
1:44
